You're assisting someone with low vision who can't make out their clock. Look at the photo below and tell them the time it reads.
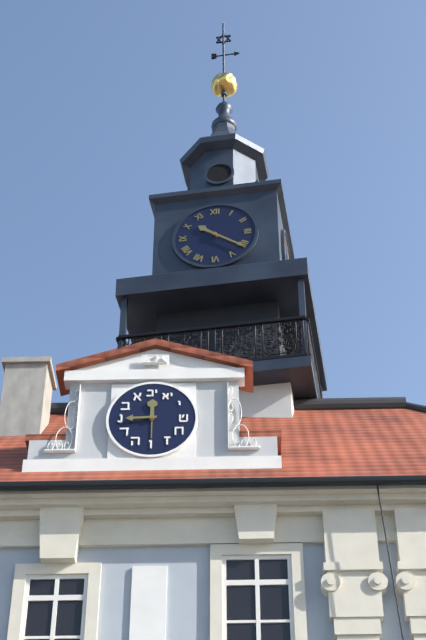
10:21
